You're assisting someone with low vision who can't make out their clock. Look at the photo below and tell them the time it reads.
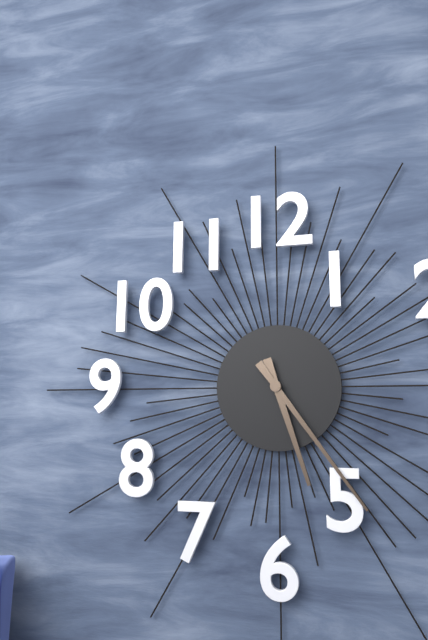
5:24
